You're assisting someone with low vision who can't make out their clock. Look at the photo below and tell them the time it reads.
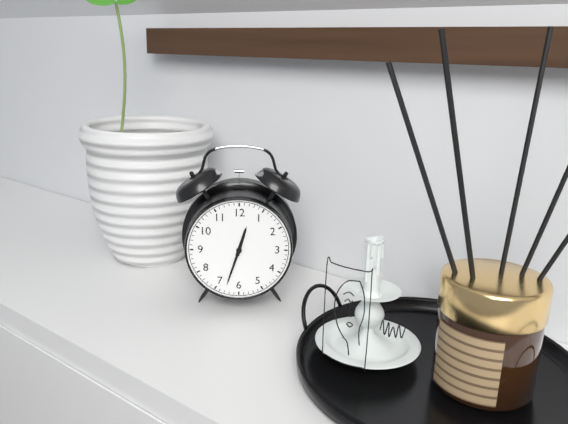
12:33
